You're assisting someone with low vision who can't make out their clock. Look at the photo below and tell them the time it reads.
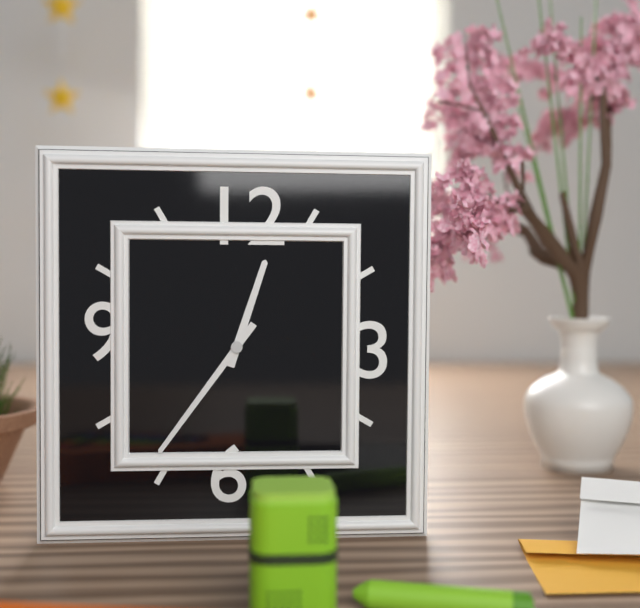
12:36
